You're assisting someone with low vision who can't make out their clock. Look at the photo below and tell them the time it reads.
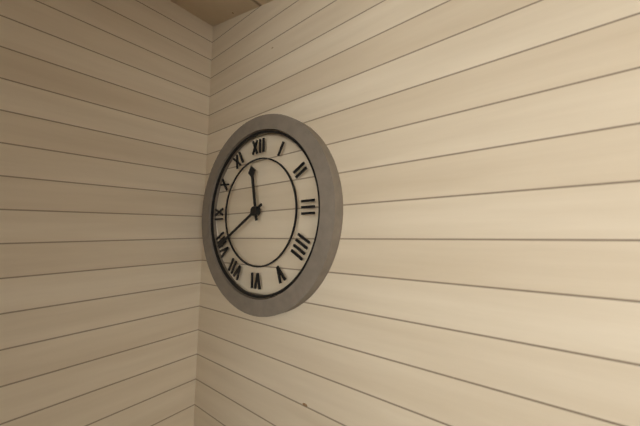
11:40
